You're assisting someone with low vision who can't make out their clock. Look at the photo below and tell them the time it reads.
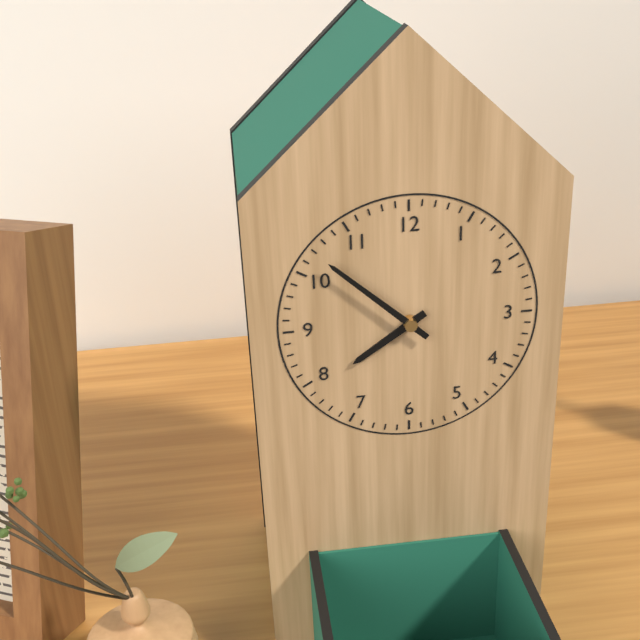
7:52
